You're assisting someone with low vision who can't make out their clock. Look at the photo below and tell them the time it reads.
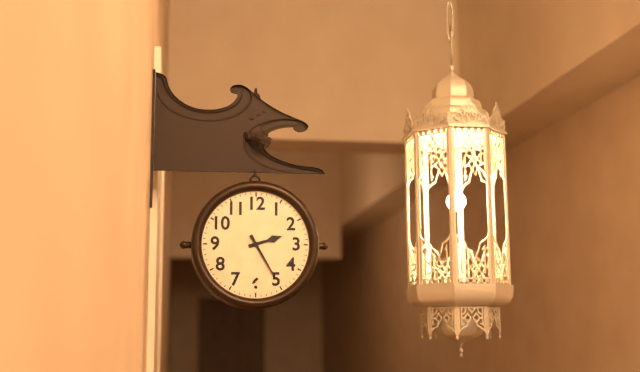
2:25
